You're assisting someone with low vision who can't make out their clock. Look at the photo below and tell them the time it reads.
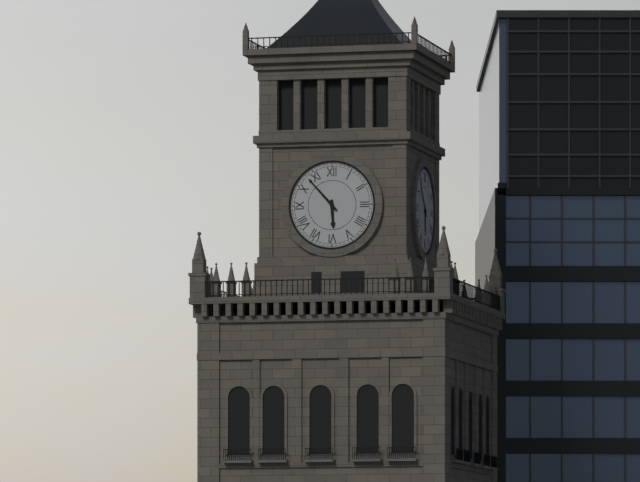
5:53
